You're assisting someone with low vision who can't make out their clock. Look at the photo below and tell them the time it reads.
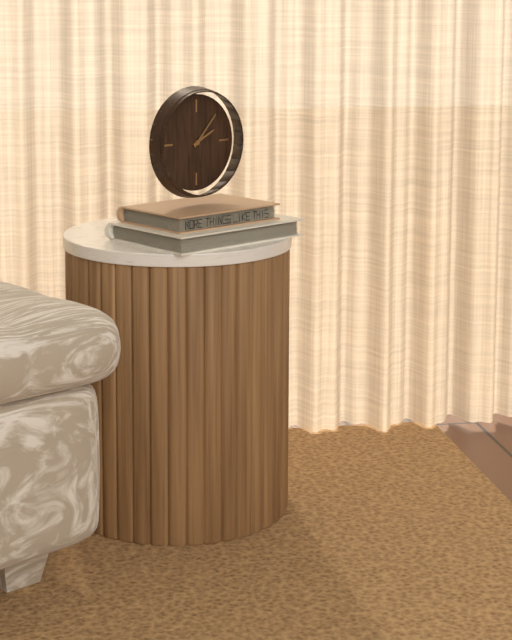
2:07
